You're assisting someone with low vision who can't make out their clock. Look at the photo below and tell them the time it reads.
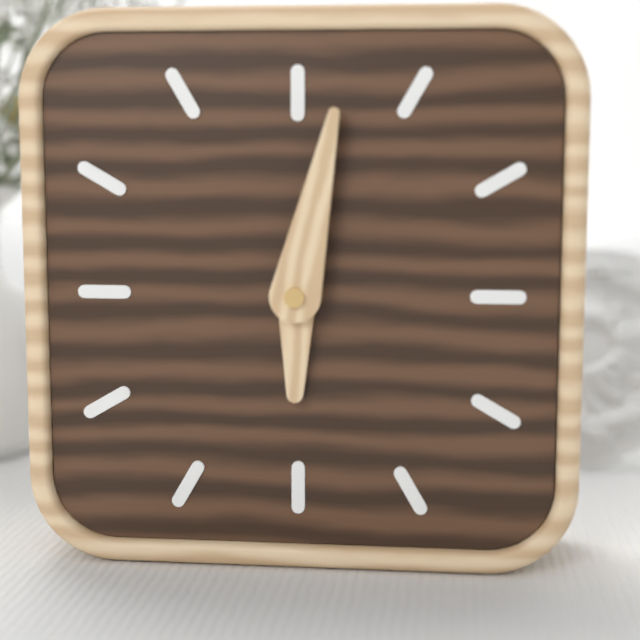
6:02
